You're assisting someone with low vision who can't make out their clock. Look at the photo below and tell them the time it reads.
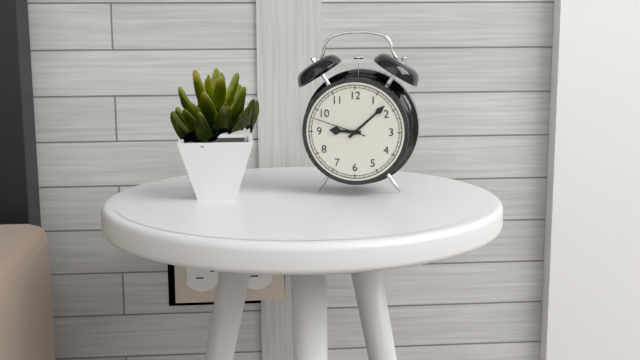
9:08:48
